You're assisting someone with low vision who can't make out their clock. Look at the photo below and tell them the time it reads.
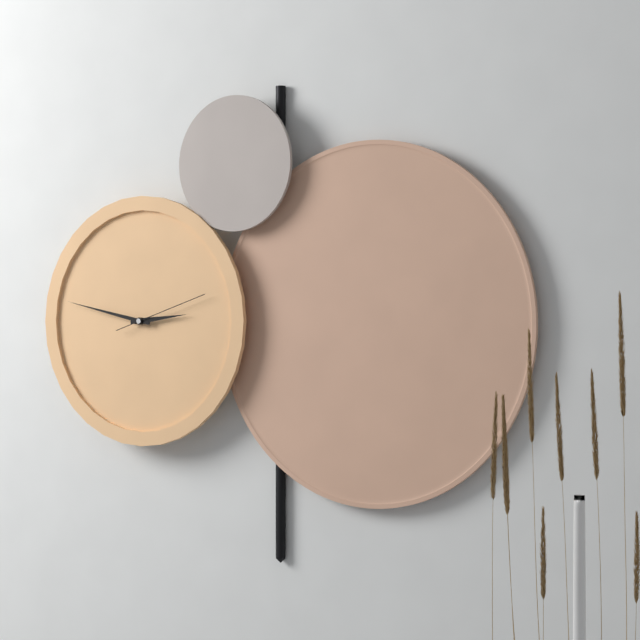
2:47:12
